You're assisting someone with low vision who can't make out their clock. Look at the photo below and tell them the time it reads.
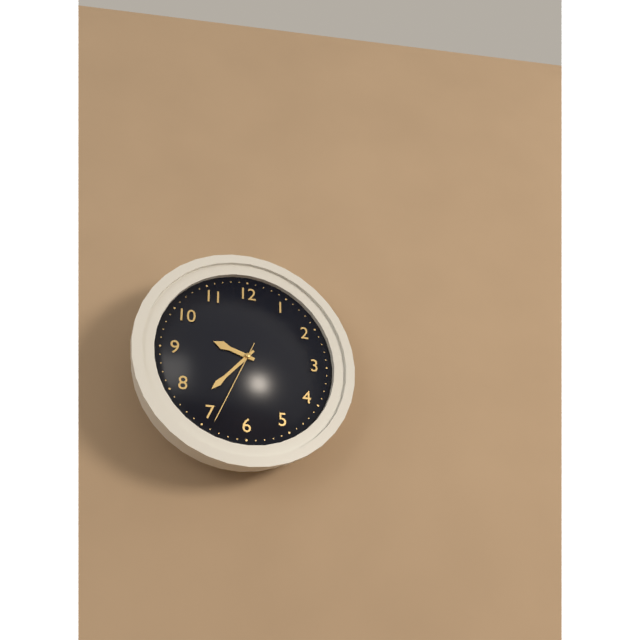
9:37:34
